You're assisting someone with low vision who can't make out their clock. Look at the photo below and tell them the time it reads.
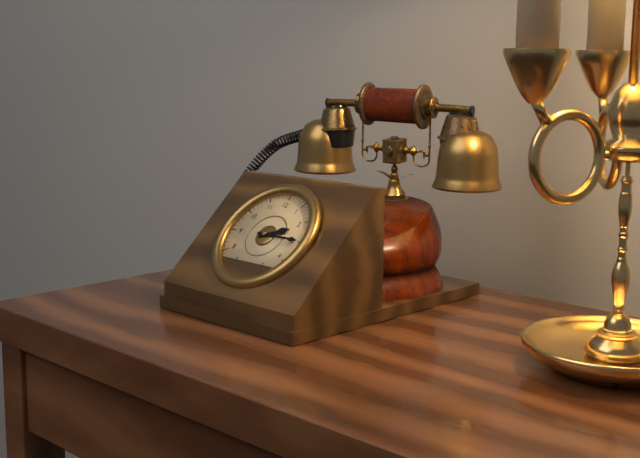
2:15
